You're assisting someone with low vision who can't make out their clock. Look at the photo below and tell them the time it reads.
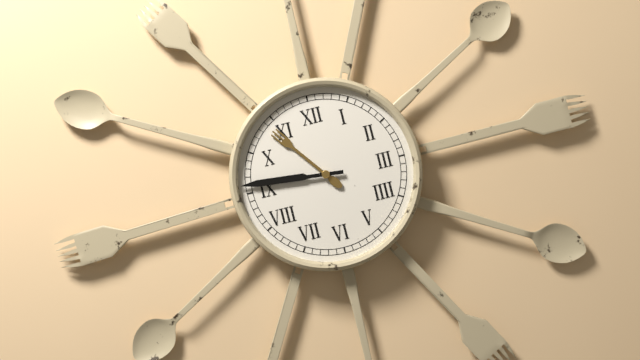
10:46
